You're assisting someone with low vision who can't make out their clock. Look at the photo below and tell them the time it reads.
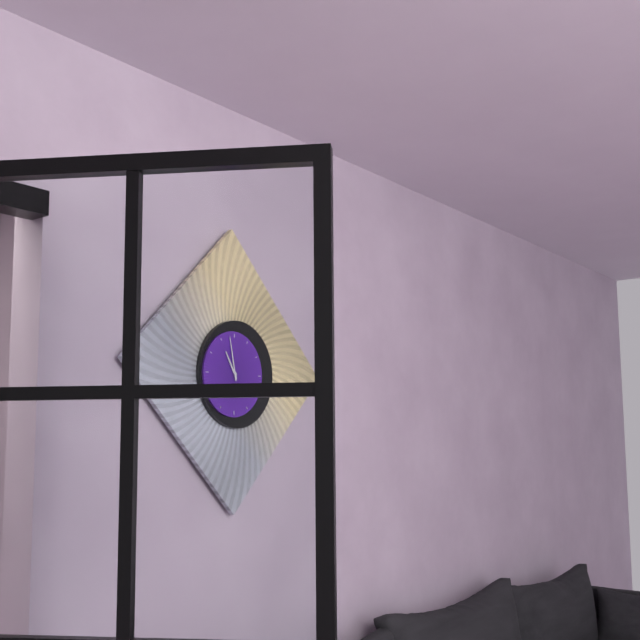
10:58
